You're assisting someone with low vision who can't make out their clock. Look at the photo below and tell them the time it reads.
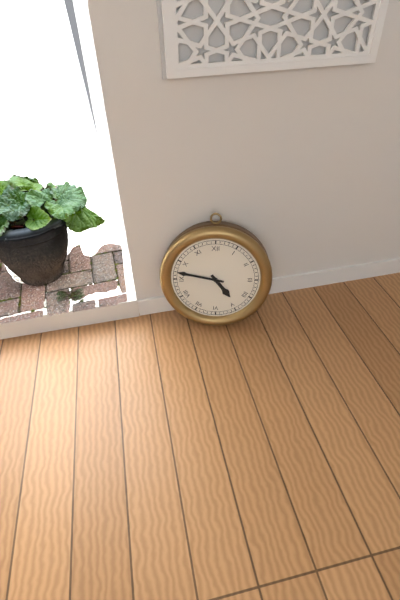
4:47
